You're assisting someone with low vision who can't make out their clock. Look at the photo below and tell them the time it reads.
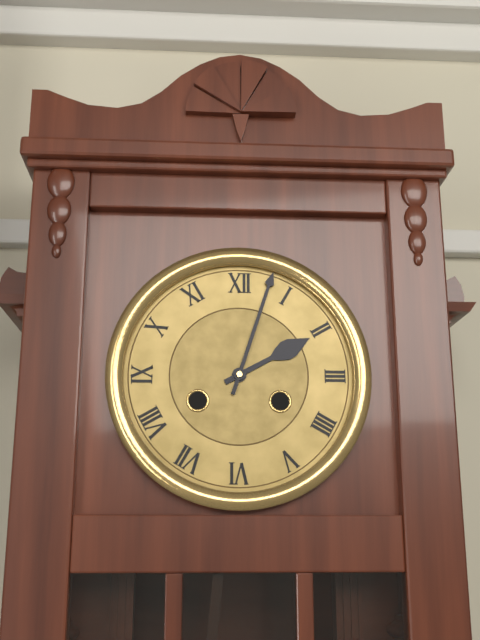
2:03
